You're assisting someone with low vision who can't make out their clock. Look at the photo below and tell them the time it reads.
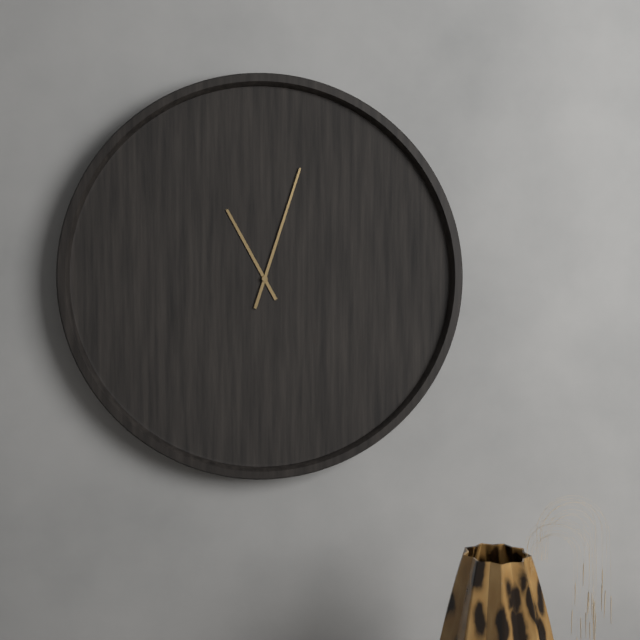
11:03
